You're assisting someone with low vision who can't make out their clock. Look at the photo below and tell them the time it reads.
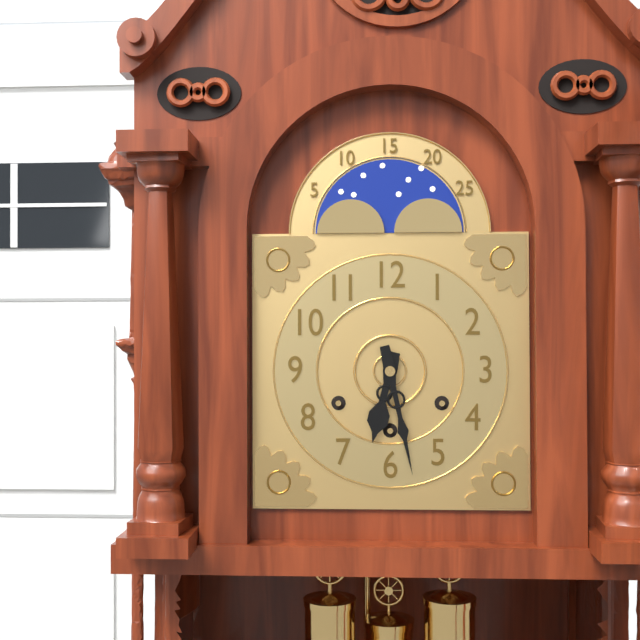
6:28
